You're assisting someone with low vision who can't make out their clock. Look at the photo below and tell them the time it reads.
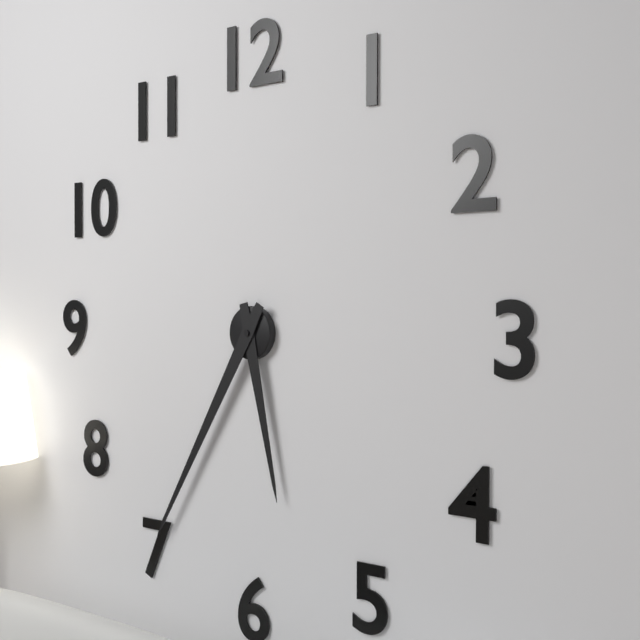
5:35
